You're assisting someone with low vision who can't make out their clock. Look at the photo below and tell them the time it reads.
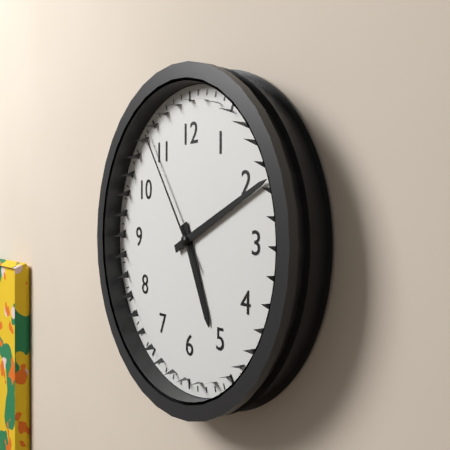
5:11:54
